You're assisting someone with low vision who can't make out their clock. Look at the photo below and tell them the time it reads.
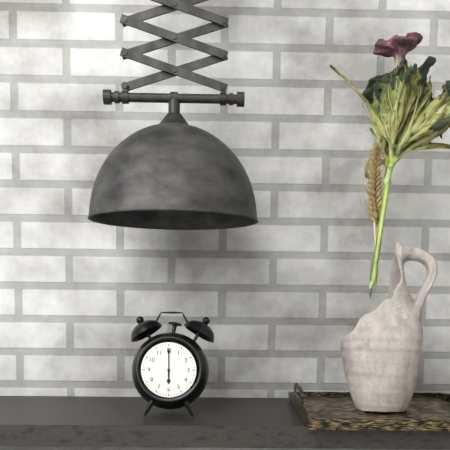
6:00
